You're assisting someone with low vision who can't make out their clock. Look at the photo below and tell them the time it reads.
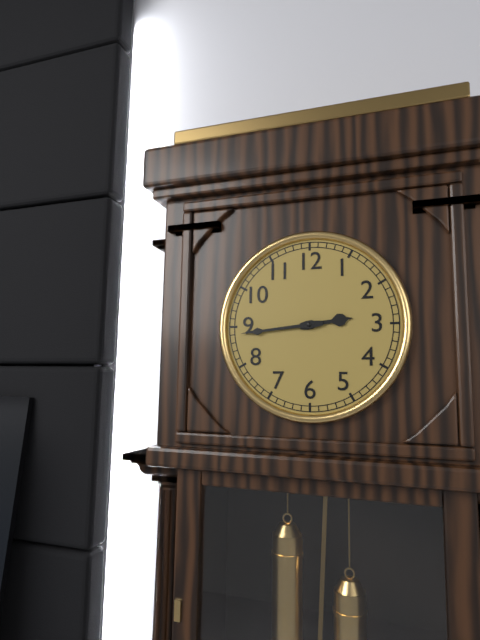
2:44
